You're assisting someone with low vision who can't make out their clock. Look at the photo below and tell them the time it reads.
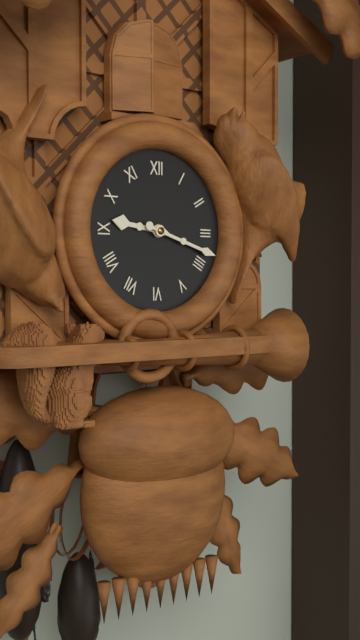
9:18
